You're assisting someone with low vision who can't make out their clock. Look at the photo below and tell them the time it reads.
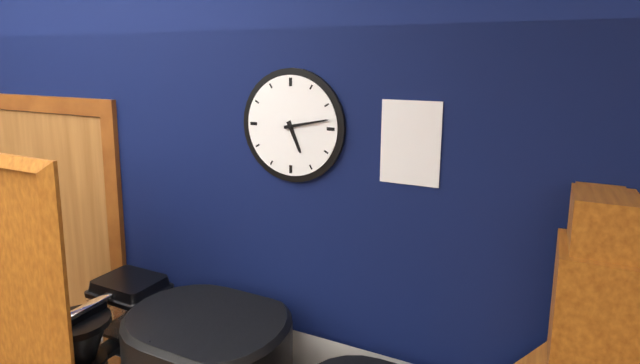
5:13
